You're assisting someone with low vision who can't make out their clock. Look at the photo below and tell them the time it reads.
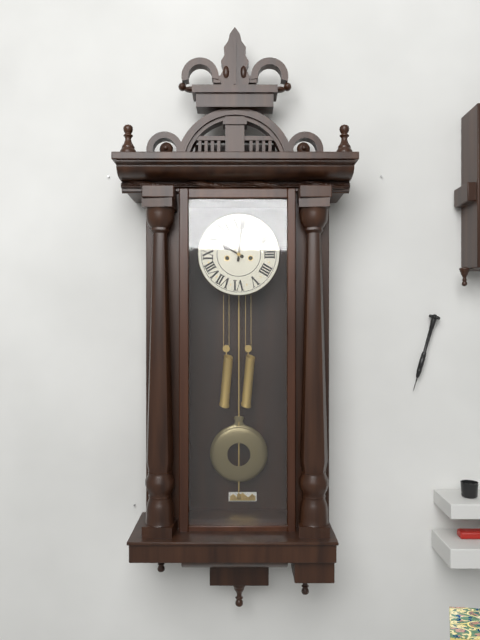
10:01
